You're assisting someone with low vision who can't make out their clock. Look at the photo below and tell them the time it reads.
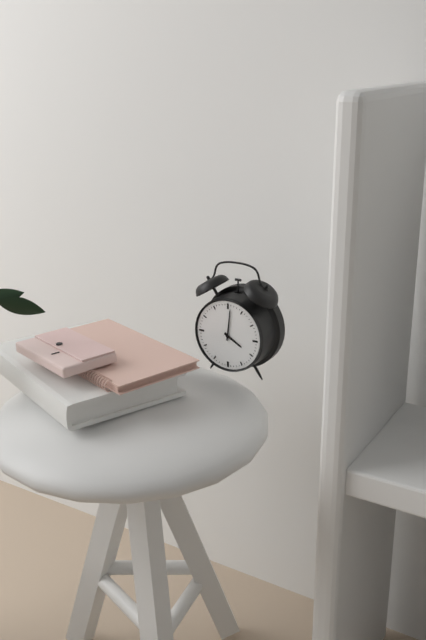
4:01
